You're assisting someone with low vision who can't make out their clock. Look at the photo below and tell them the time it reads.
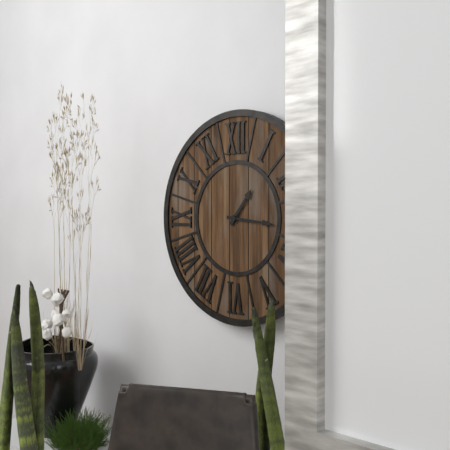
1:16
